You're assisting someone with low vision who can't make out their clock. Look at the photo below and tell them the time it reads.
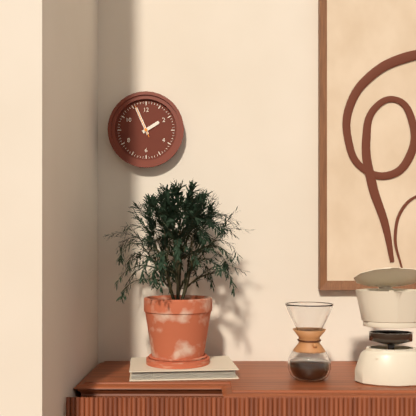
1:56
